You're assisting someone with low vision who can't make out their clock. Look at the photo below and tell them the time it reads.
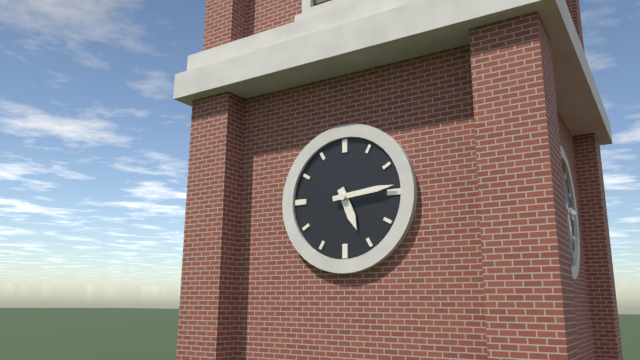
5:14
